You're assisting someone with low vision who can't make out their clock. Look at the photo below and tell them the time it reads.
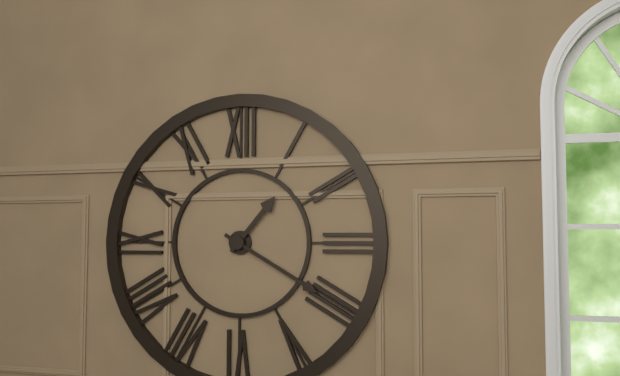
1:20
